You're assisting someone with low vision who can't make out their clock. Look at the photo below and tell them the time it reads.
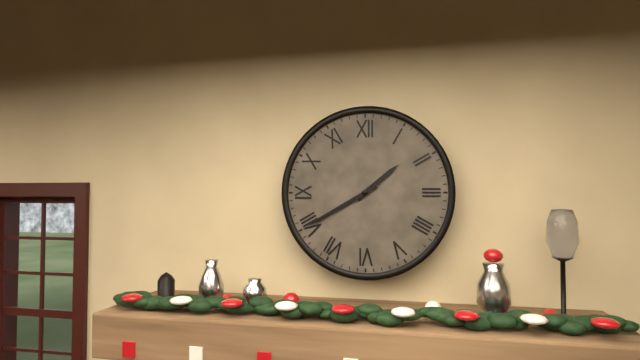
1:40
